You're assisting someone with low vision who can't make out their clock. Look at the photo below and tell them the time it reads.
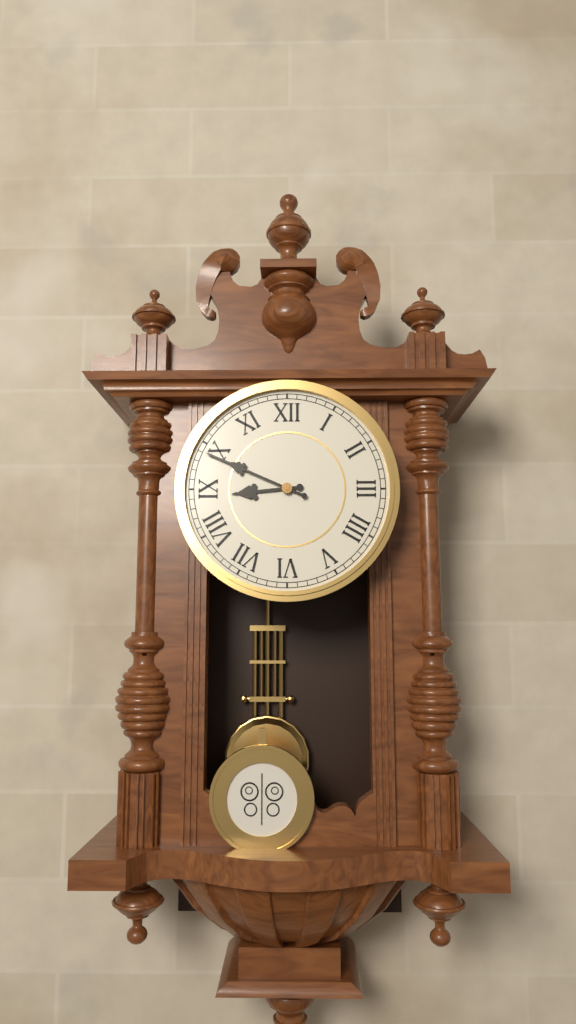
8:49
